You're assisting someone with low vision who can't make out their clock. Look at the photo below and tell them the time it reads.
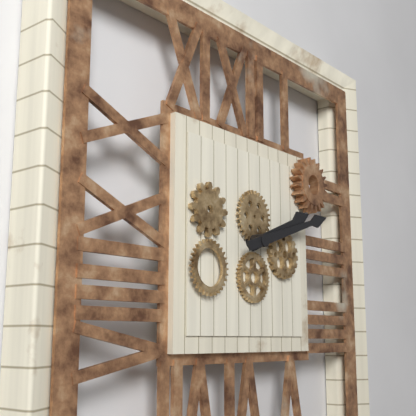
2:12
